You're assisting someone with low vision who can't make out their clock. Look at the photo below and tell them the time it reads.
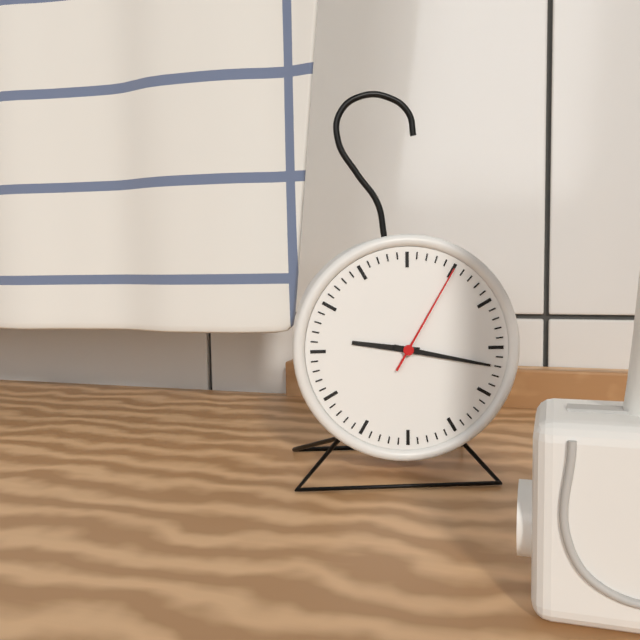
9:17:05
